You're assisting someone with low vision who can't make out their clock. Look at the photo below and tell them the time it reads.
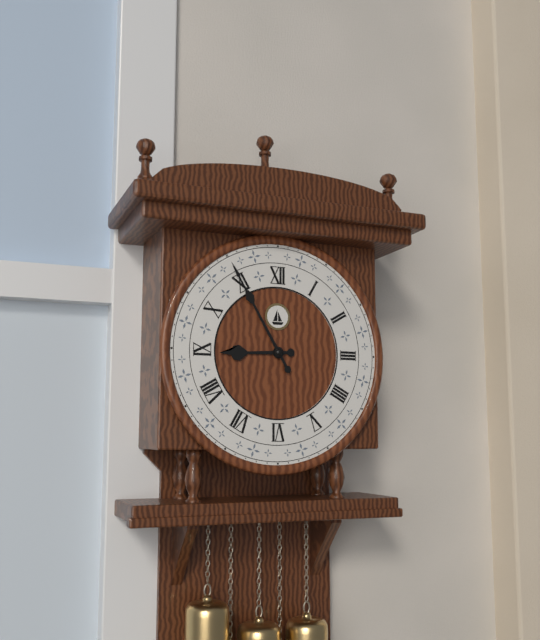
8:55
